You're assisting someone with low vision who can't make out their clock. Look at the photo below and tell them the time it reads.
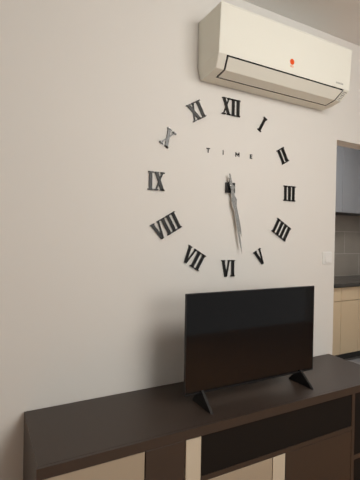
5:28
